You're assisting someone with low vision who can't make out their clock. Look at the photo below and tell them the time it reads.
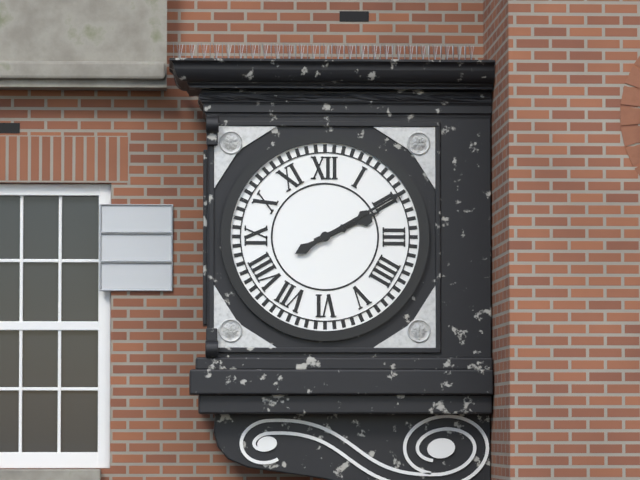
2:10
